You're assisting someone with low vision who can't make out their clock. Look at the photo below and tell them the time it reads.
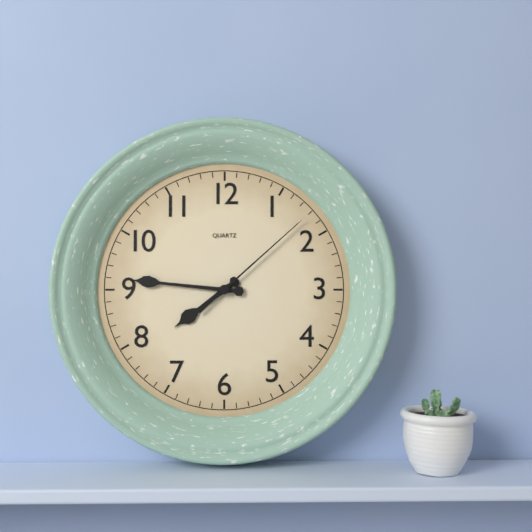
7:46:08
